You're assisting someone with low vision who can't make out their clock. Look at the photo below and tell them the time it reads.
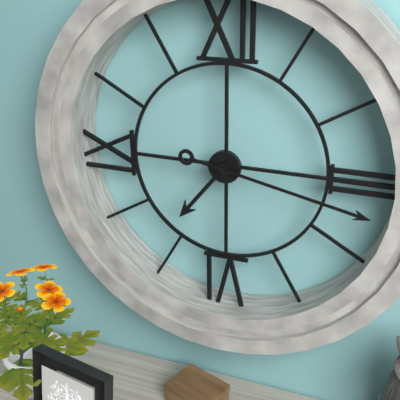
7:17
